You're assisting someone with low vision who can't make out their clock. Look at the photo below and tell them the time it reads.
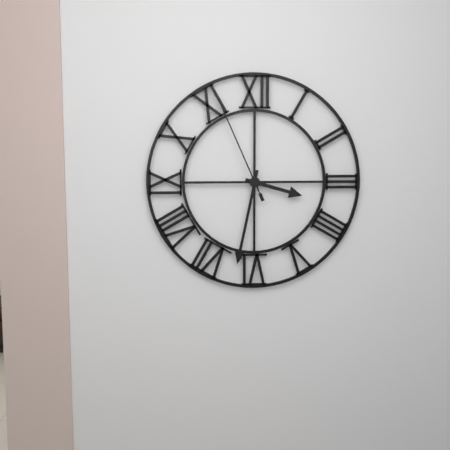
3:32:56
